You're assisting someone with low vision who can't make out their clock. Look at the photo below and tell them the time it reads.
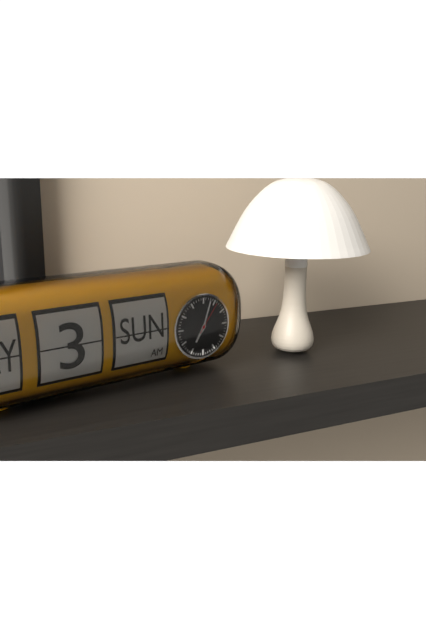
7:03:06
